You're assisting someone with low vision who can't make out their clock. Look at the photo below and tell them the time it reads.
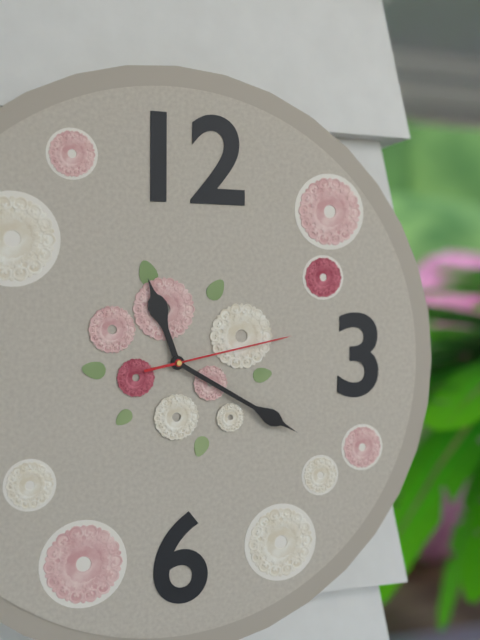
11:20:13
